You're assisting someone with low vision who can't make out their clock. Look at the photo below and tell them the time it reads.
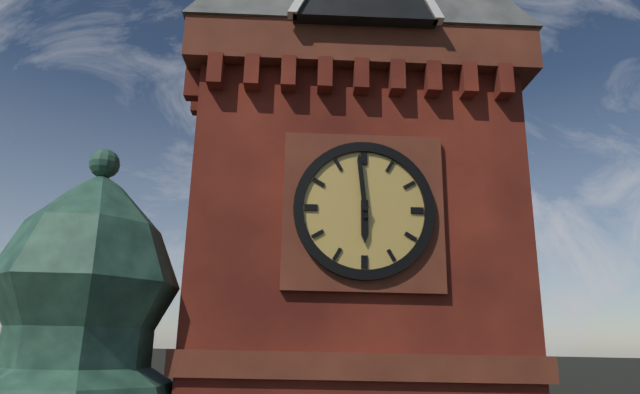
5:59
